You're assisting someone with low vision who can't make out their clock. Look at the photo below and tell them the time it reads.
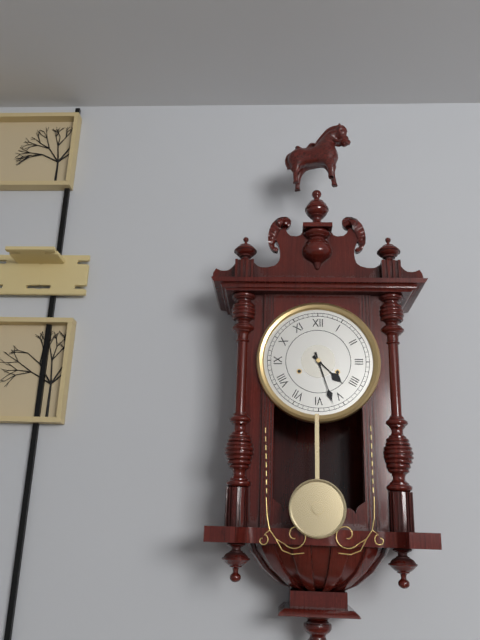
4:27
